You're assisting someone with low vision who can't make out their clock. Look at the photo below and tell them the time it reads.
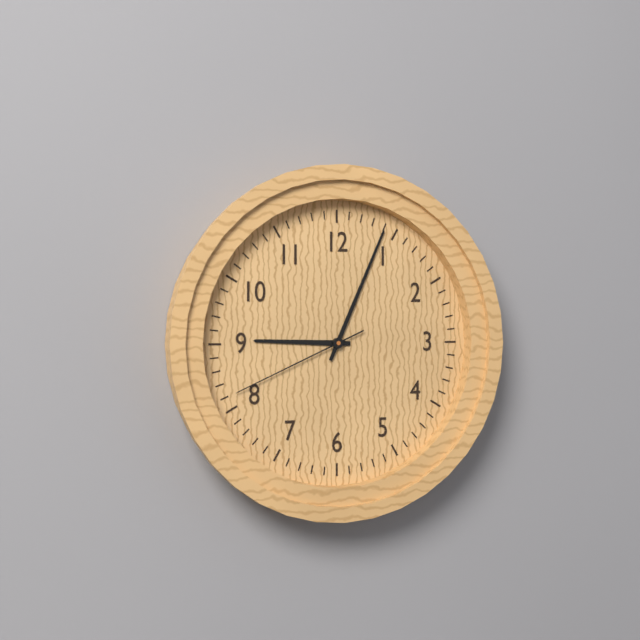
9:04:41
